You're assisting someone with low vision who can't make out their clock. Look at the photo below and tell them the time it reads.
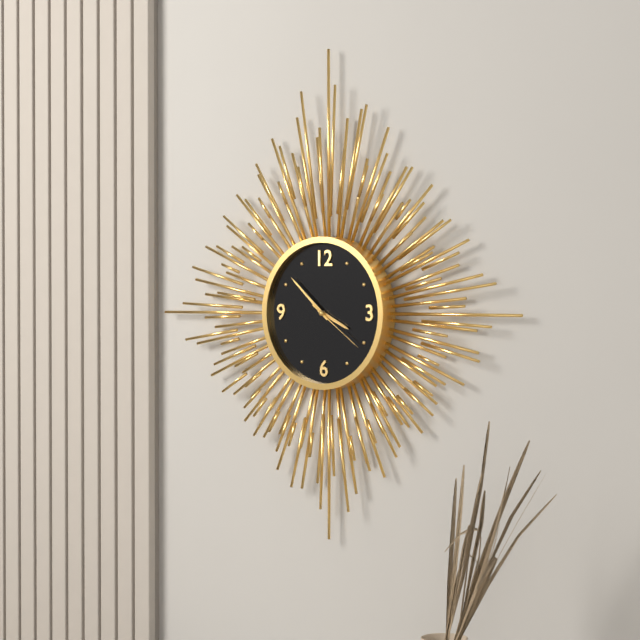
3:52:21
